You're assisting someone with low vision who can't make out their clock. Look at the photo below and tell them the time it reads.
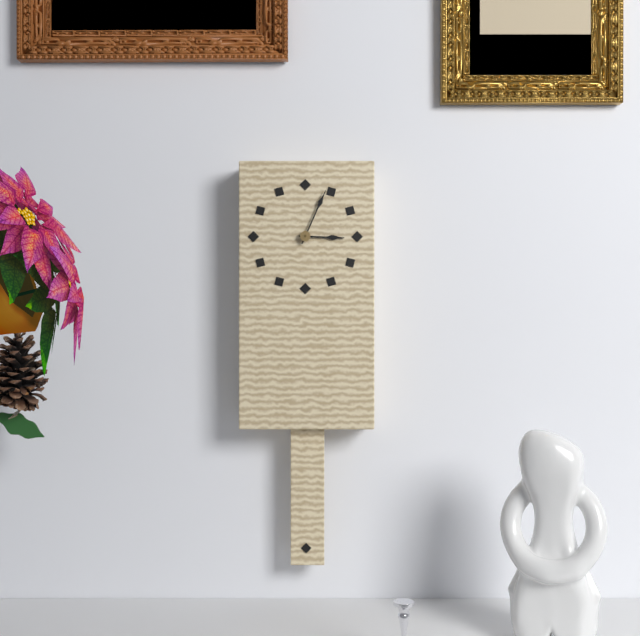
3:04
